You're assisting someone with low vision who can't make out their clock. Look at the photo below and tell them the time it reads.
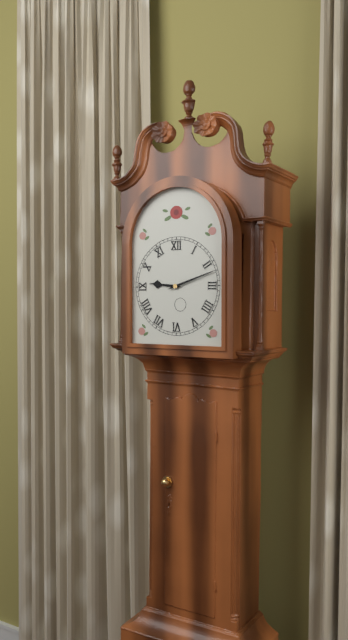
9:12
